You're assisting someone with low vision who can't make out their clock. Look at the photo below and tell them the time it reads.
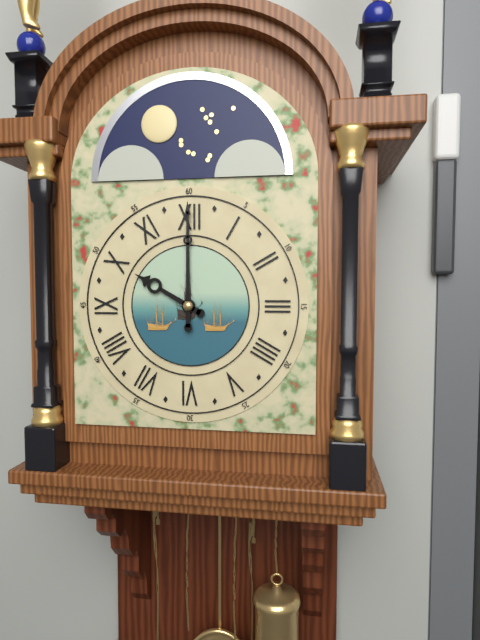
10:00
